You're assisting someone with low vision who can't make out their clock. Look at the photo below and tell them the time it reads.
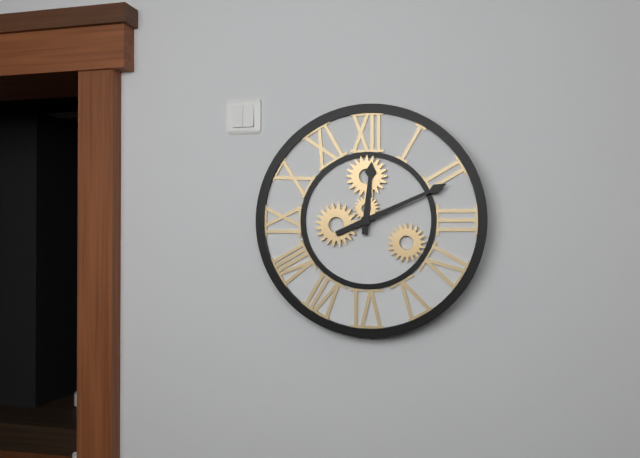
12:11
